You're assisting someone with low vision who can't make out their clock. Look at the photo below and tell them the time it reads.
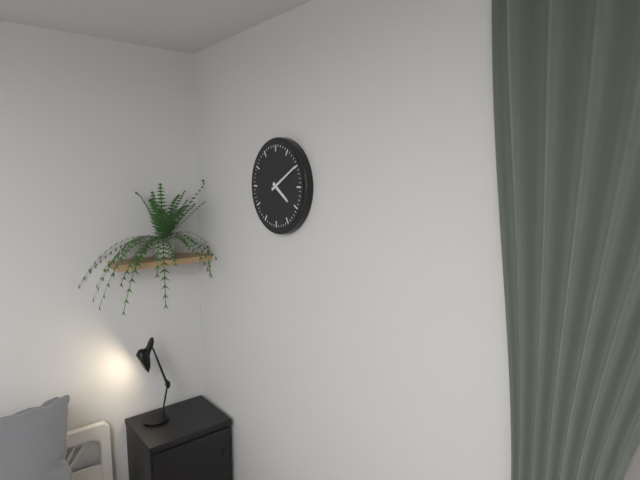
4:10
